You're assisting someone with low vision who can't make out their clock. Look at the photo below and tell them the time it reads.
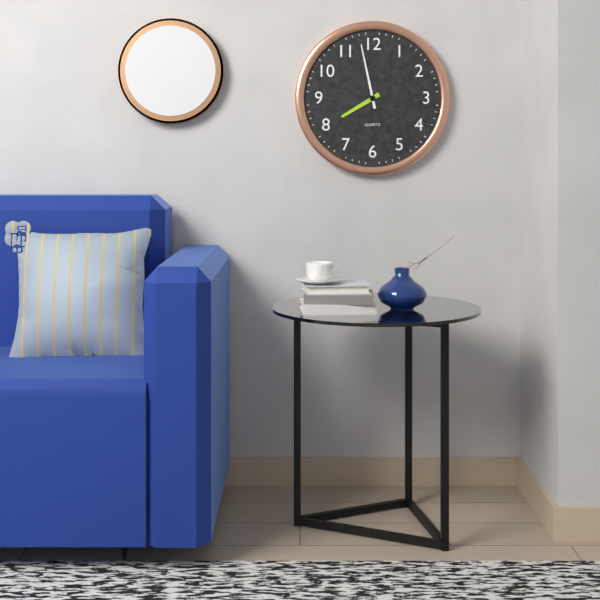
7:58
